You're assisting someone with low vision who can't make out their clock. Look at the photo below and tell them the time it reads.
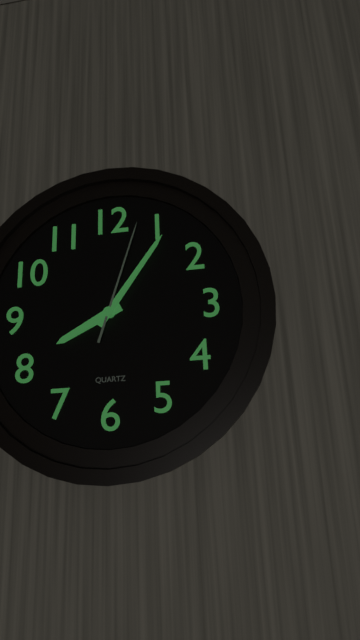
8:06:03
